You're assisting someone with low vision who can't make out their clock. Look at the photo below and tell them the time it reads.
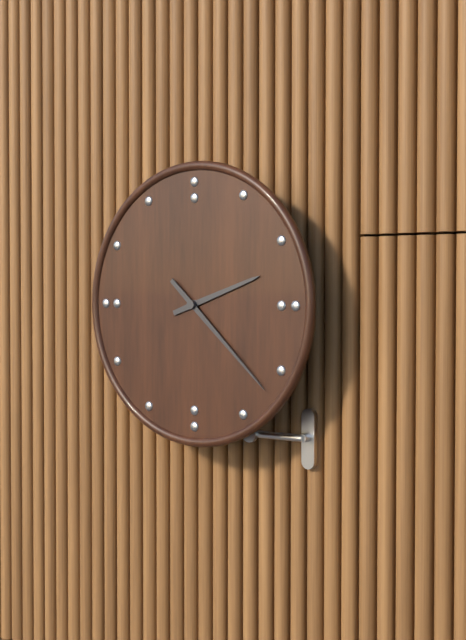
2:22
